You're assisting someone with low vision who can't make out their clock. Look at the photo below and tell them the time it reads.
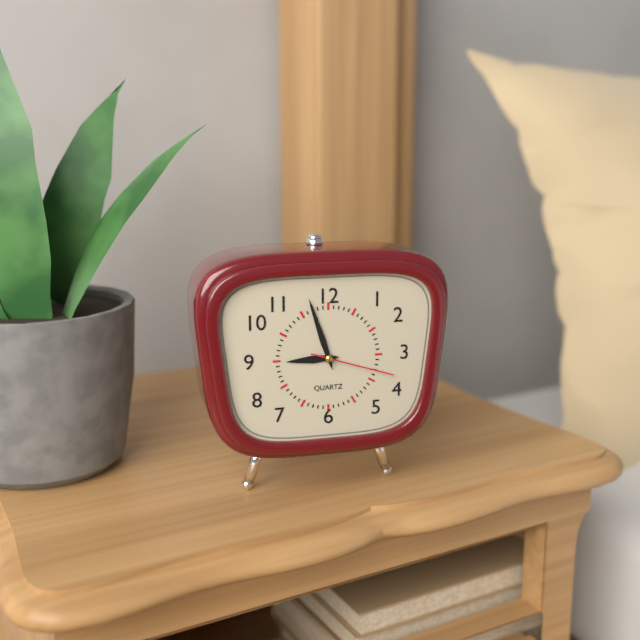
8:57:18
